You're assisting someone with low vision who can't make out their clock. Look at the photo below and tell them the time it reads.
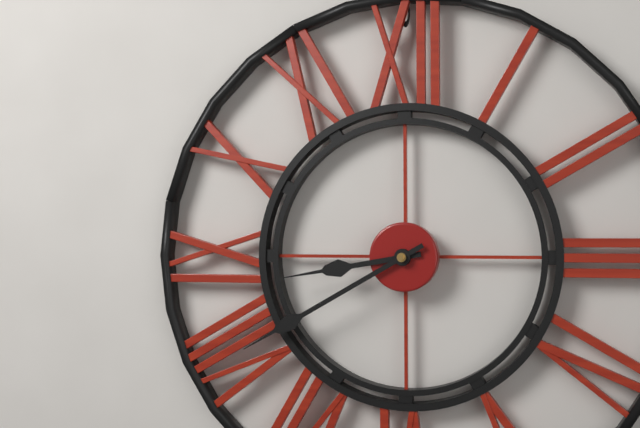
8:40
